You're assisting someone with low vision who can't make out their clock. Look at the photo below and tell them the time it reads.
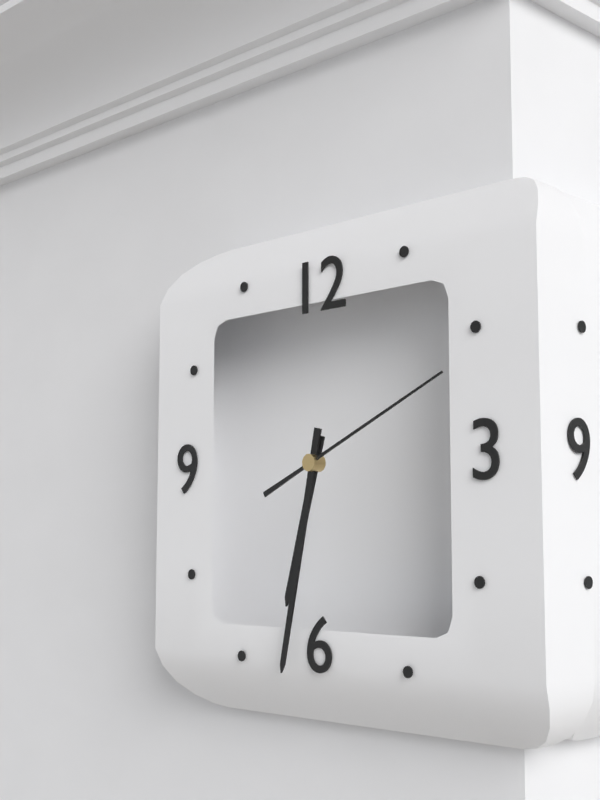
6:32:11
